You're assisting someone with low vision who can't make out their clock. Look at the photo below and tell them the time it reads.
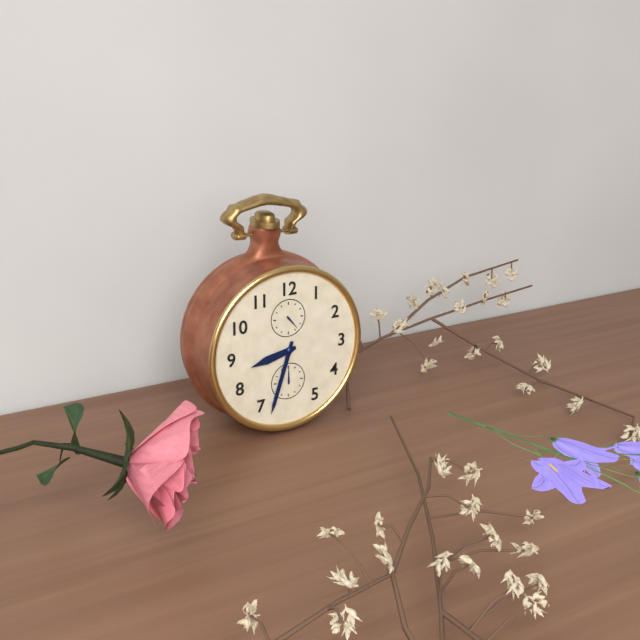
8:33
